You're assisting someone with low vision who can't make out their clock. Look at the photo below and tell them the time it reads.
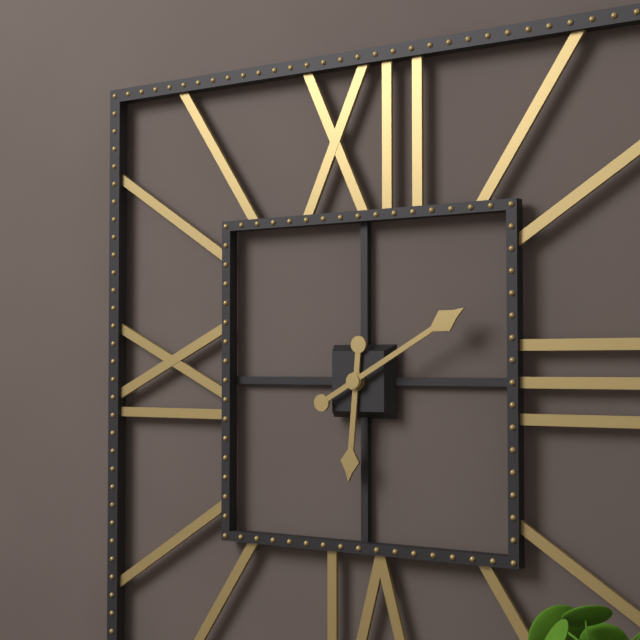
6:10
